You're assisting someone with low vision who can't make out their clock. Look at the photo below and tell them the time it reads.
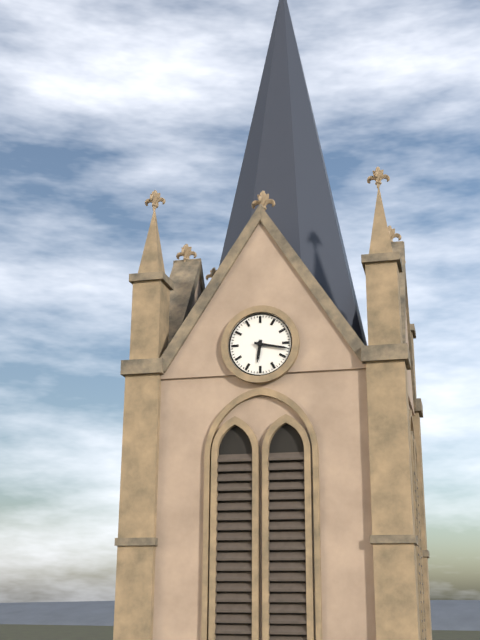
6:17
